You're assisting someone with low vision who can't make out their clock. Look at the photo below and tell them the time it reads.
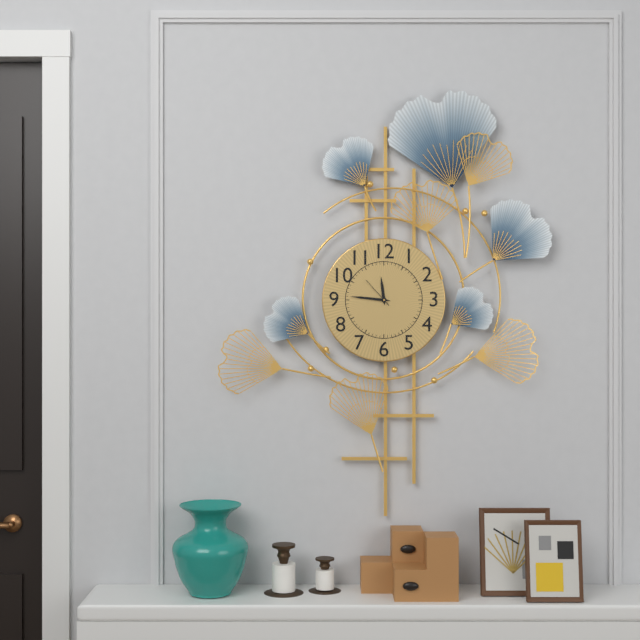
11:46
